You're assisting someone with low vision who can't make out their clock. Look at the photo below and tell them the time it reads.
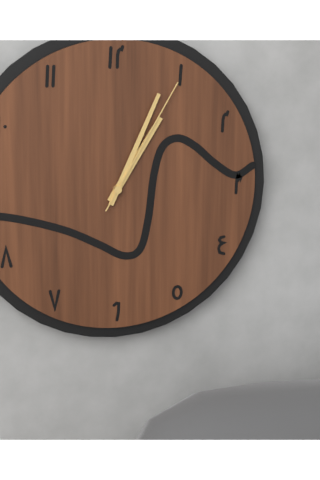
1:04:05
